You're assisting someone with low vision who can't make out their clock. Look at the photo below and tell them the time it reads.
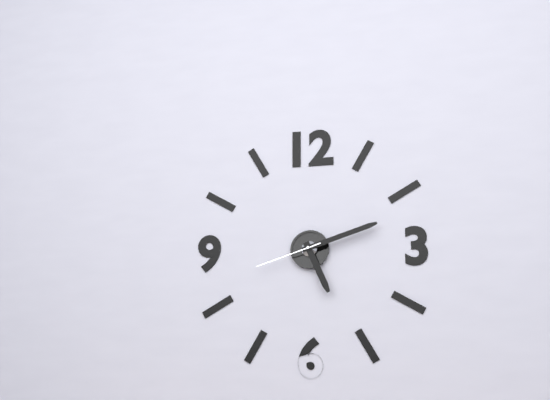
5:12:42
